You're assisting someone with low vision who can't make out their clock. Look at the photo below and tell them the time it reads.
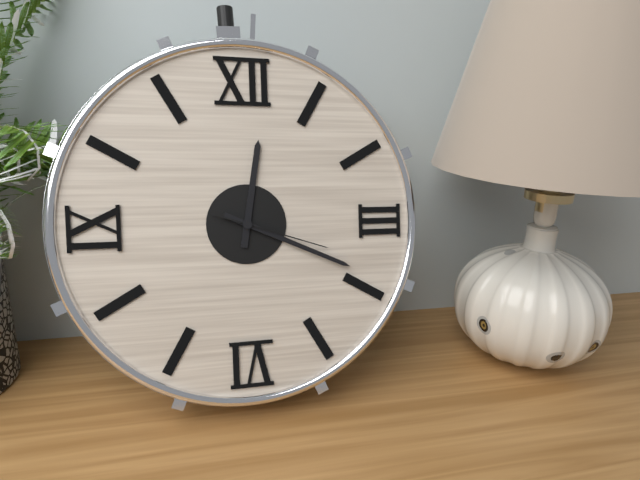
12:19:18
